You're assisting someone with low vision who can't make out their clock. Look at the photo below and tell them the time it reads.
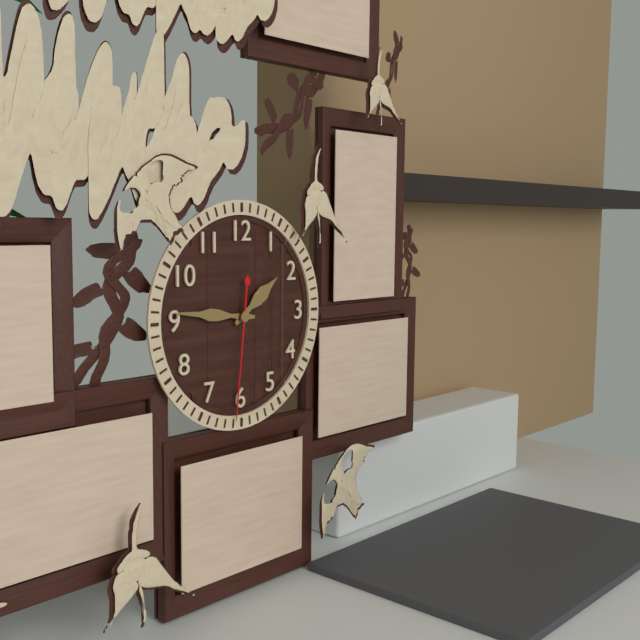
1:46:31
